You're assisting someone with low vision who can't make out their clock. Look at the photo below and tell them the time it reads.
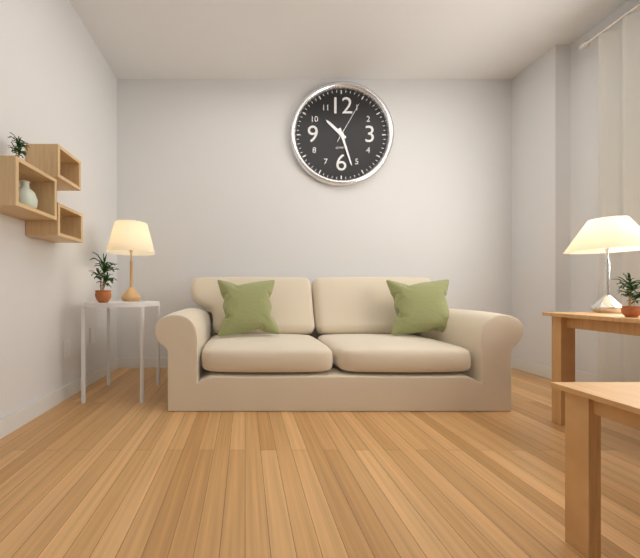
10:27
